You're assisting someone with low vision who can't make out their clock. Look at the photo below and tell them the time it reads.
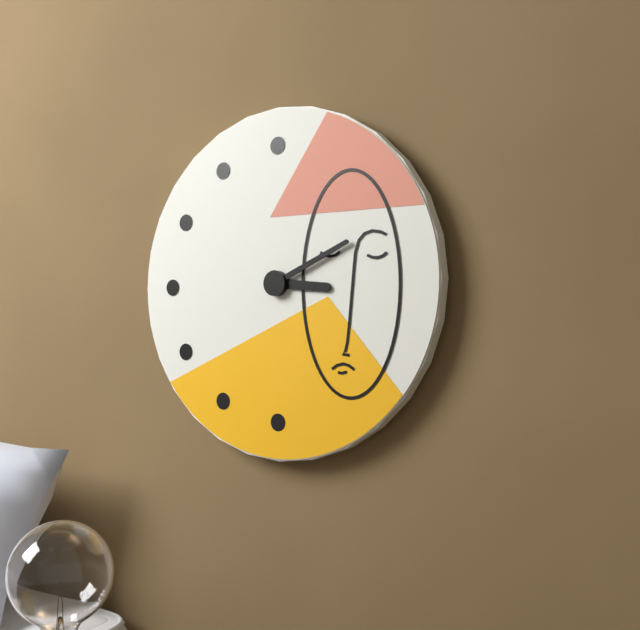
3:11
